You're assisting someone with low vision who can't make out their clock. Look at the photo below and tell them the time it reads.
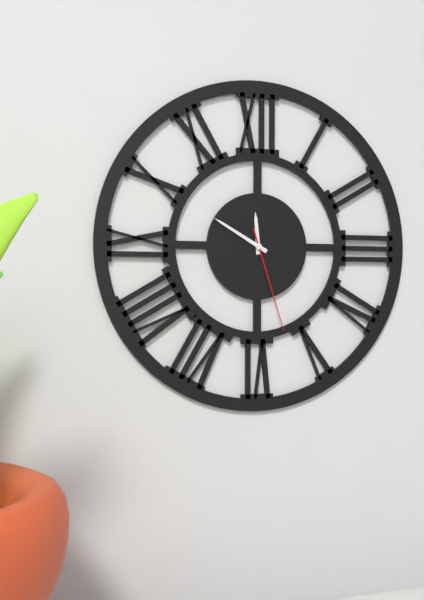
11:50:27
